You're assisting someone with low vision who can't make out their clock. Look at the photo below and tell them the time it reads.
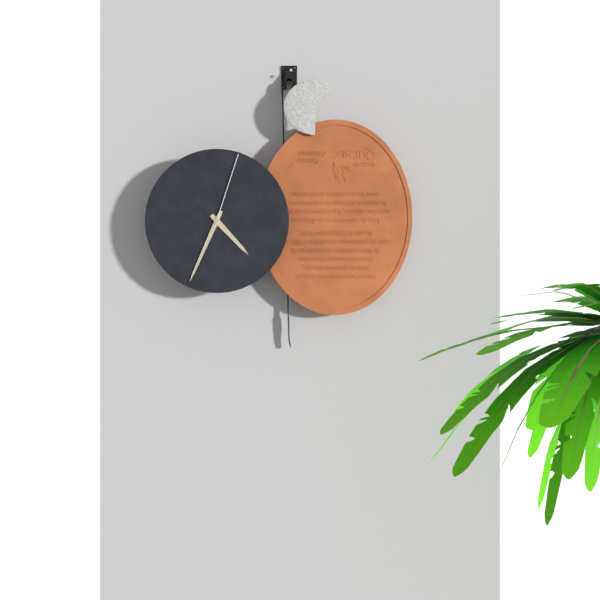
4:34:03
